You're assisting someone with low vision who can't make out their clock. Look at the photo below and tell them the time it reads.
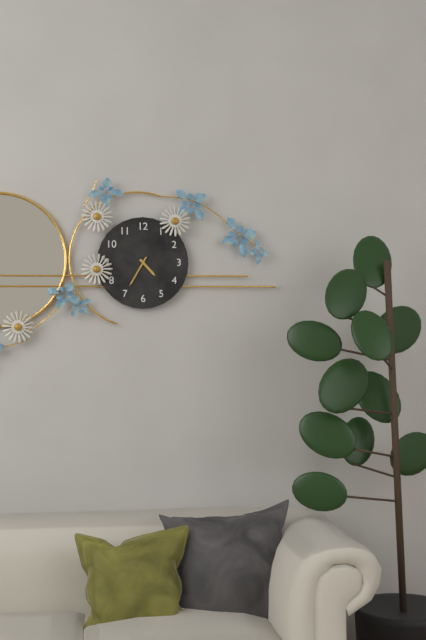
4:35
